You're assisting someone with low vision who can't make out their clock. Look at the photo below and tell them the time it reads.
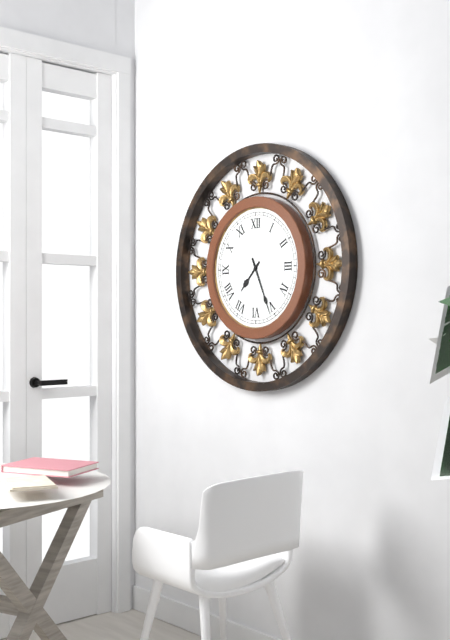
7:26
